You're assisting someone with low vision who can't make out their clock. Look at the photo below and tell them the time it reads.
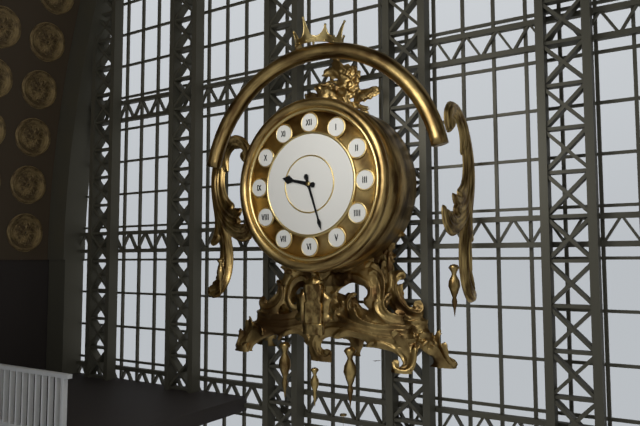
9:27
